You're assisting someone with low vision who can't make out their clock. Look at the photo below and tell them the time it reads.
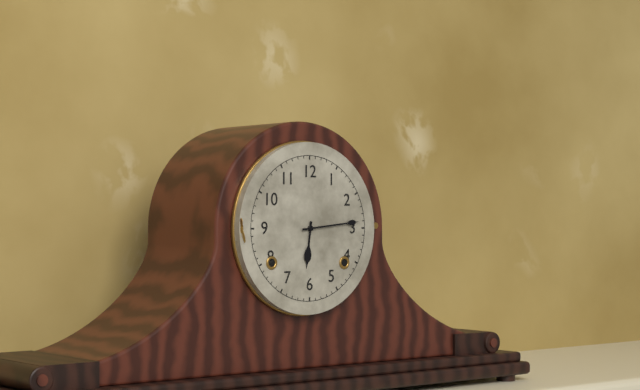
6:14
